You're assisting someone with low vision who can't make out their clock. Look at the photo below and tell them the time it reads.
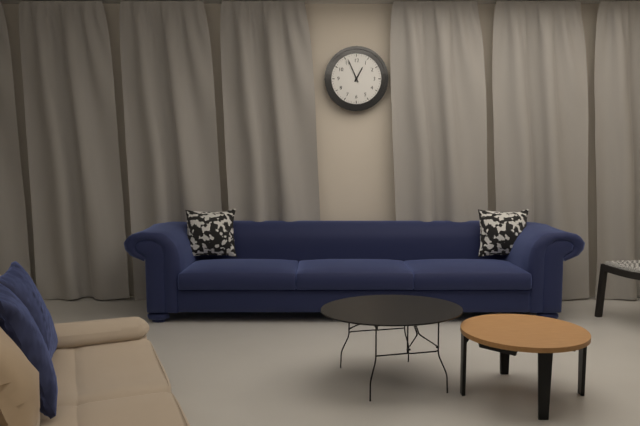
12:56
